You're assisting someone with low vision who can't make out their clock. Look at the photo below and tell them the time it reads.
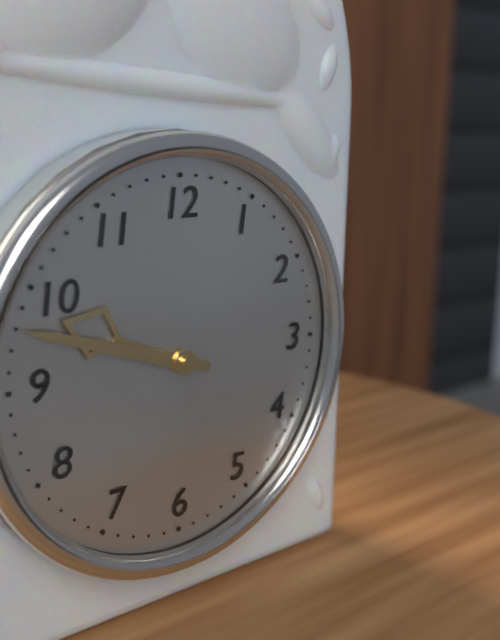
9:48
